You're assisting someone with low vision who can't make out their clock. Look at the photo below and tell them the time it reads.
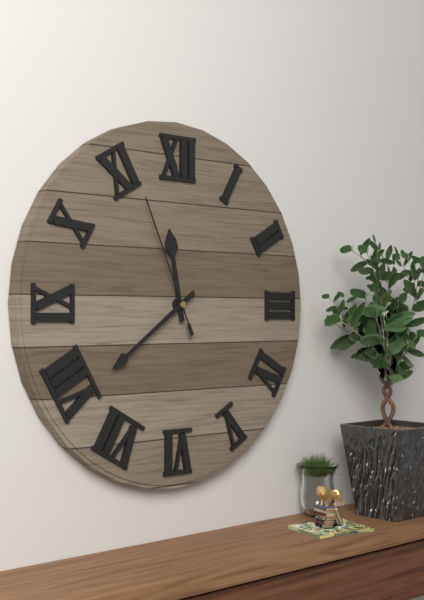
11:39:56
